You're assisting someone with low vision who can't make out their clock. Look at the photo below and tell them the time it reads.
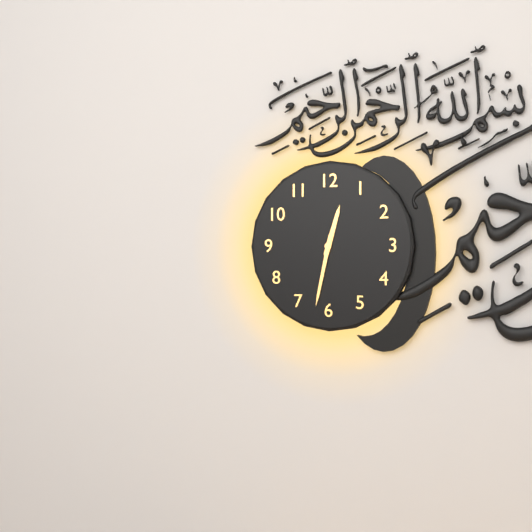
12:32
